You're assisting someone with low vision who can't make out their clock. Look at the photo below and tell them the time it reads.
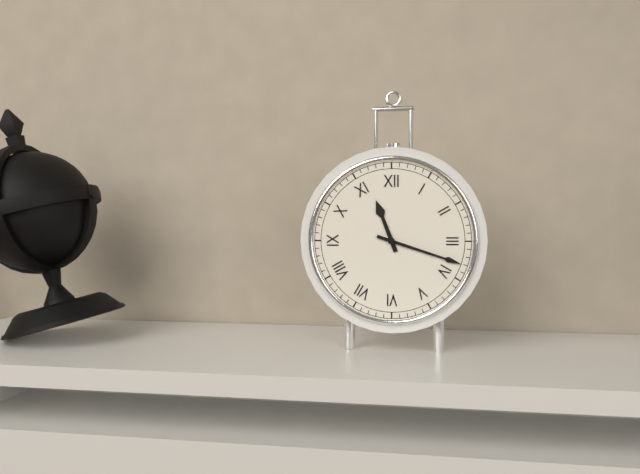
11:18
